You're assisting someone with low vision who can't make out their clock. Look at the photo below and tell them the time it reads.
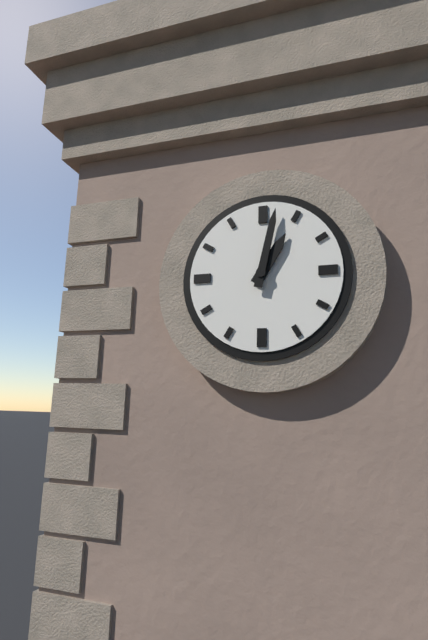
1:02
